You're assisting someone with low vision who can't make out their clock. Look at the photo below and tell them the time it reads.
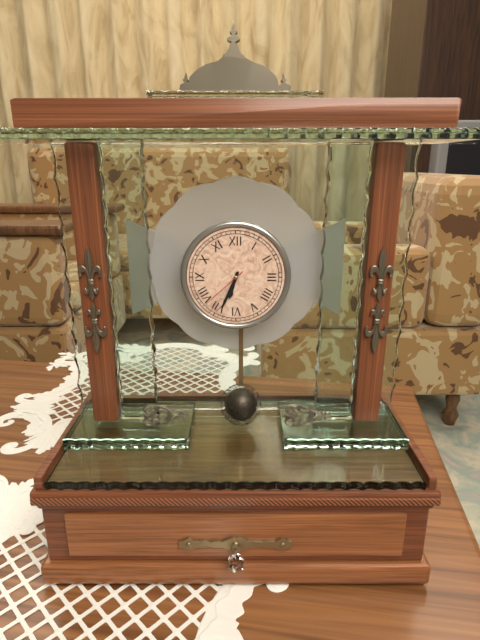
6:34
